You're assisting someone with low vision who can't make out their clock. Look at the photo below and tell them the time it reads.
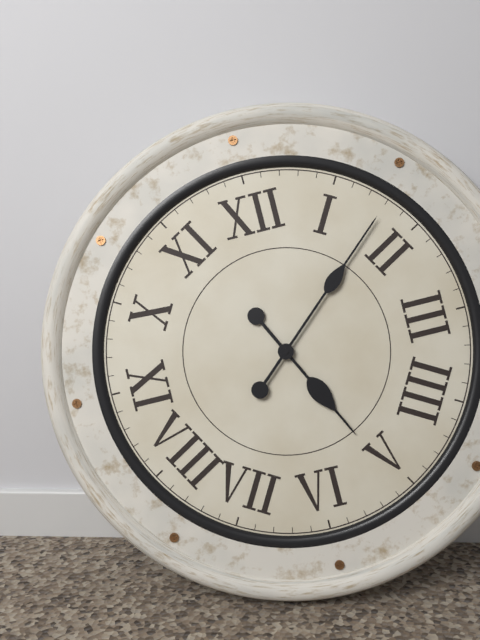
5:08
